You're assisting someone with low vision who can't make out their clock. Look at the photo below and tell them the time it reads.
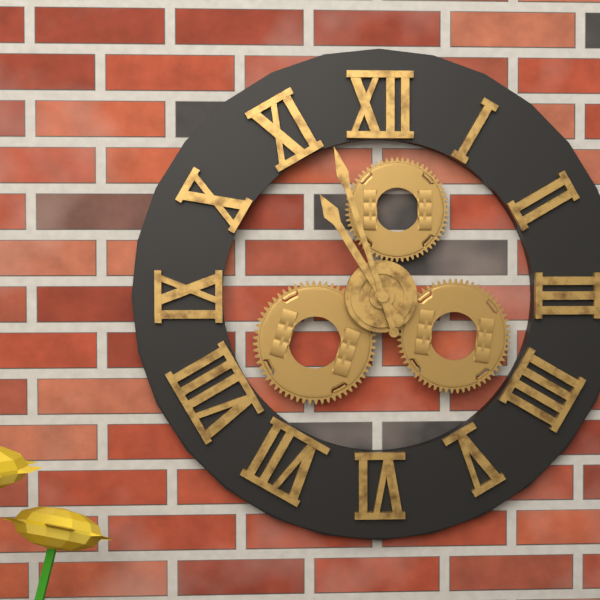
10:57
